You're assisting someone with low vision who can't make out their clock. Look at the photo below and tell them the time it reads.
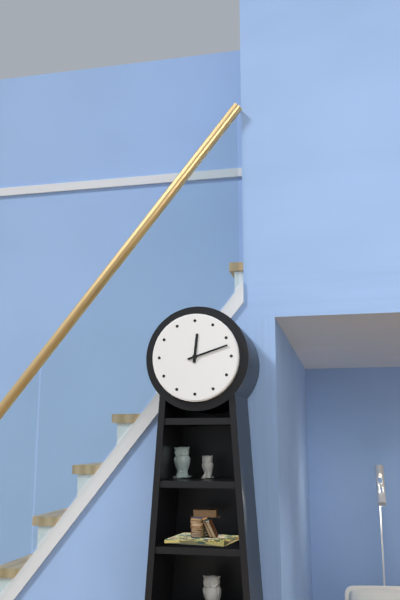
12:12
